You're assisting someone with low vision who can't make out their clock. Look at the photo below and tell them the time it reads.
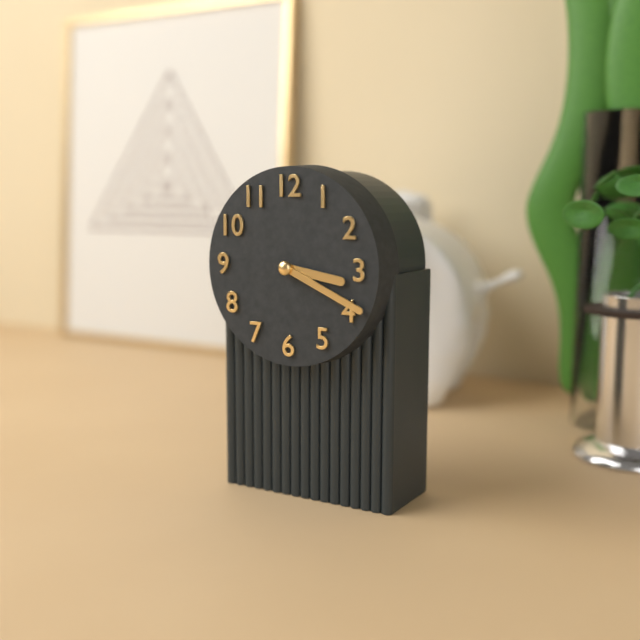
3:19
